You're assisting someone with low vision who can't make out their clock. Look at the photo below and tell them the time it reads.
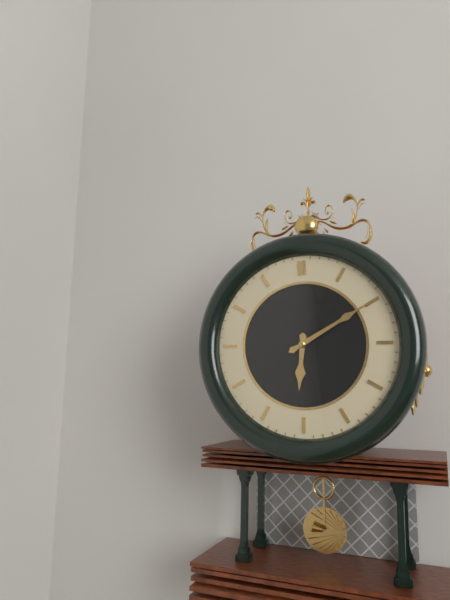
6:10
